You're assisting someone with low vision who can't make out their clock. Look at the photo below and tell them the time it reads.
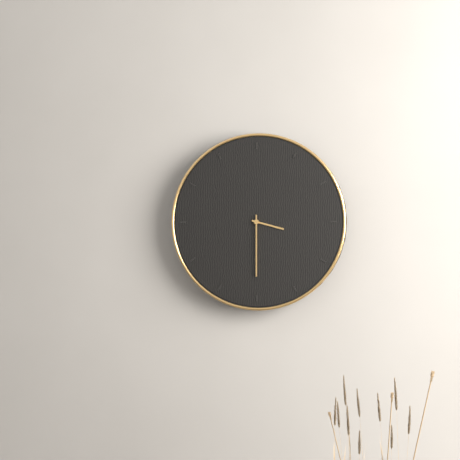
3:30
